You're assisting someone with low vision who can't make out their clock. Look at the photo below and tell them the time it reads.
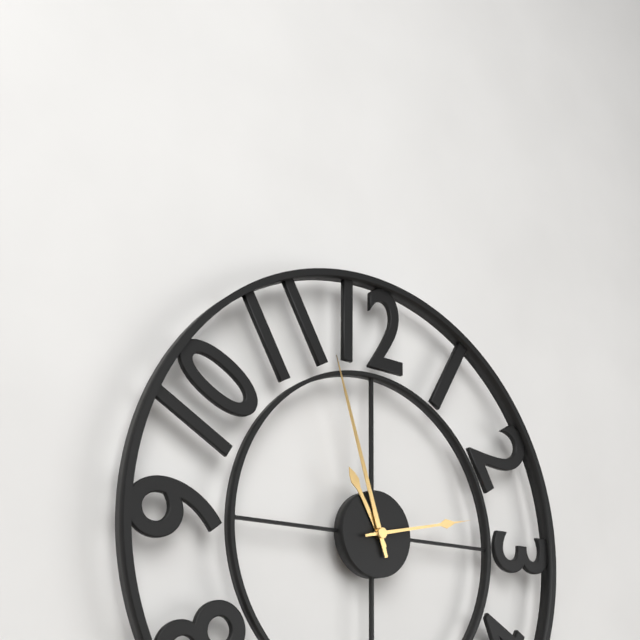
10:57:13
